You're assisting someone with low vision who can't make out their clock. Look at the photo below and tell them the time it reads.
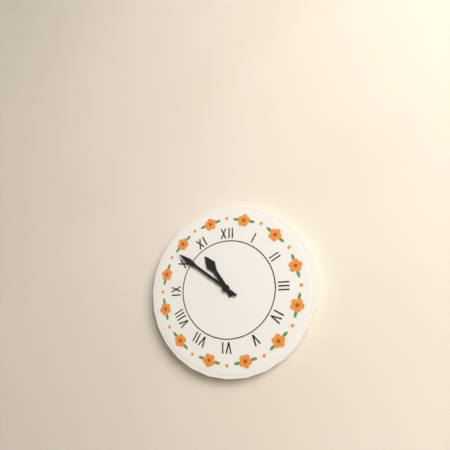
10:51
